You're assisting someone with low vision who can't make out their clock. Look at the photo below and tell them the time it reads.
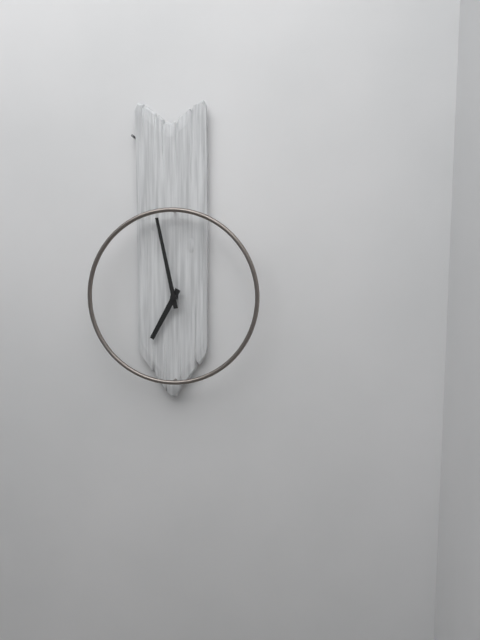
6:58
